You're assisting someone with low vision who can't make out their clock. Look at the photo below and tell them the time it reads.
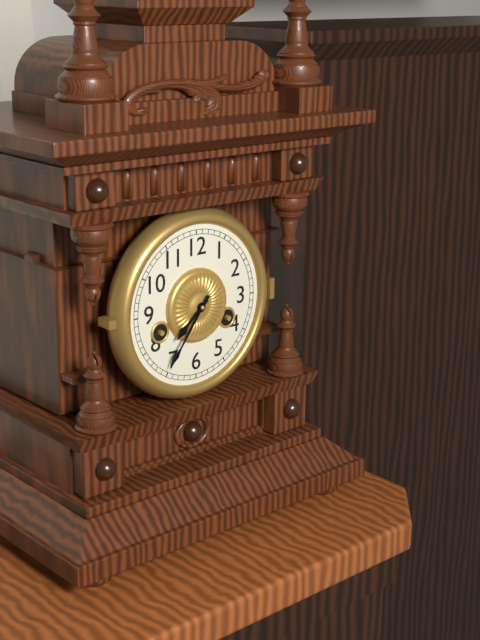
7:36
